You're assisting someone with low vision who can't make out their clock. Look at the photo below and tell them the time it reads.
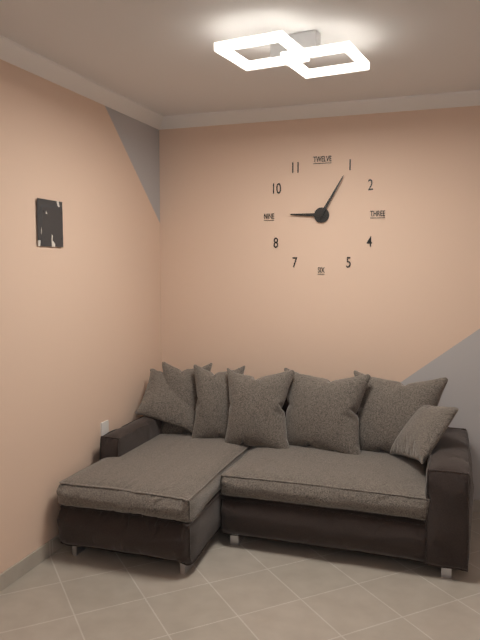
9:05
